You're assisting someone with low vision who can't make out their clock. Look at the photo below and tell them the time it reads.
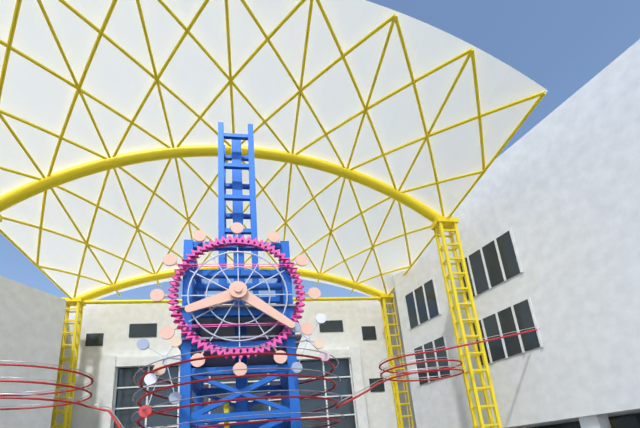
8:21
